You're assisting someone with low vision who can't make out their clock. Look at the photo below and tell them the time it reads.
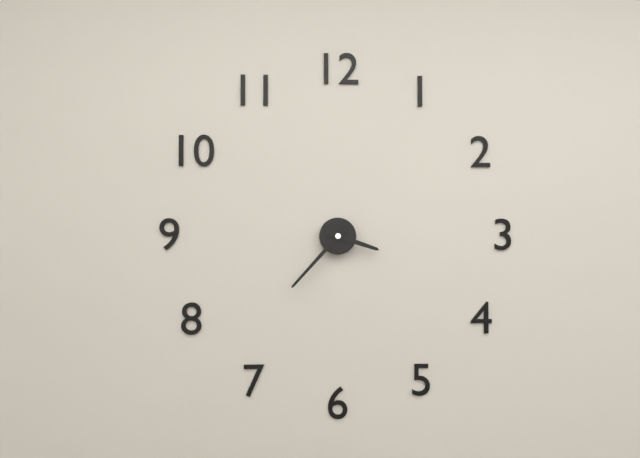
3:37
